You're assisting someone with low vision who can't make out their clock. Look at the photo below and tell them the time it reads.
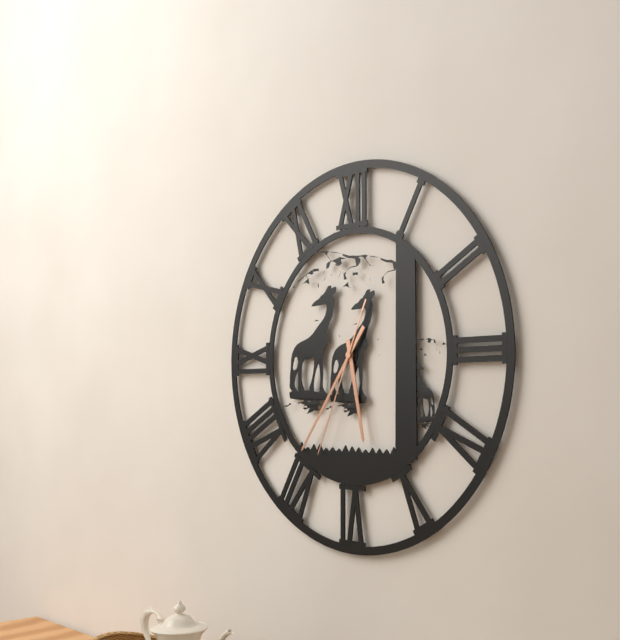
5:36:34
